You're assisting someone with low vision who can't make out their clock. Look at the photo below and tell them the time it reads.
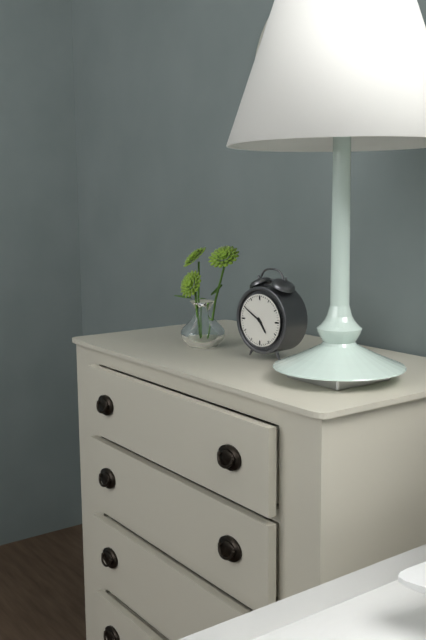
4:50
